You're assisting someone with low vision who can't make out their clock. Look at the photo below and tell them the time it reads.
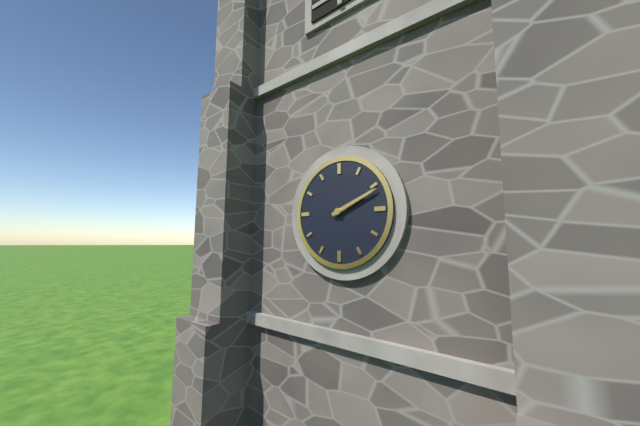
2:11
